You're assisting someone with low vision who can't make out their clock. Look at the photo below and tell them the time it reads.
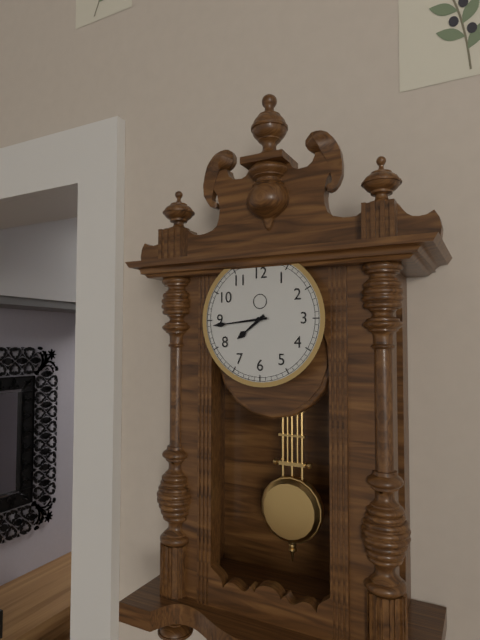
7:44
